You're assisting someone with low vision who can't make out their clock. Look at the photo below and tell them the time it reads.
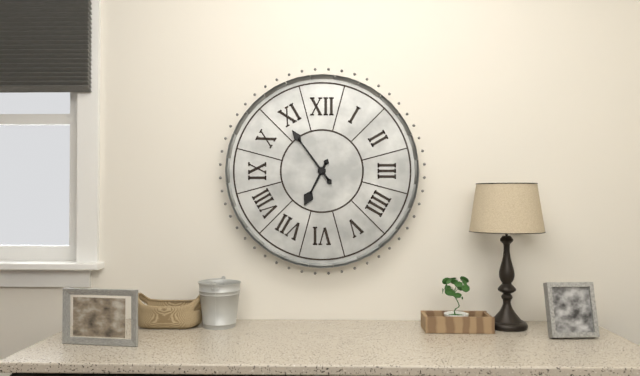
6:54
